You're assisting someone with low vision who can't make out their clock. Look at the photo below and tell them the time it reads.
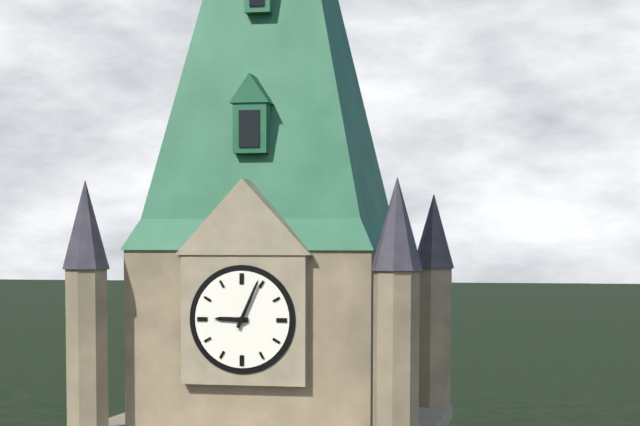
9:04
